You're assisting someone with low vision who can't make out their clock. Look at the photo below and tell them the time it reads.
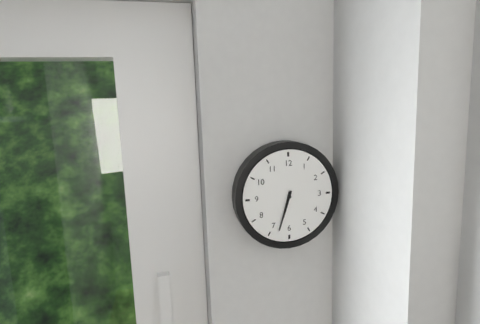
6:33
